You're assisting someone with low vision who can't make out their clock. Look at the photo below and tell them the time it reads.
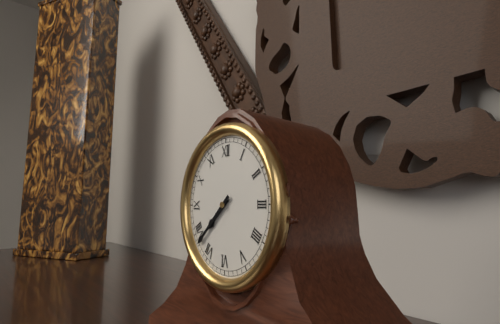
7:38
